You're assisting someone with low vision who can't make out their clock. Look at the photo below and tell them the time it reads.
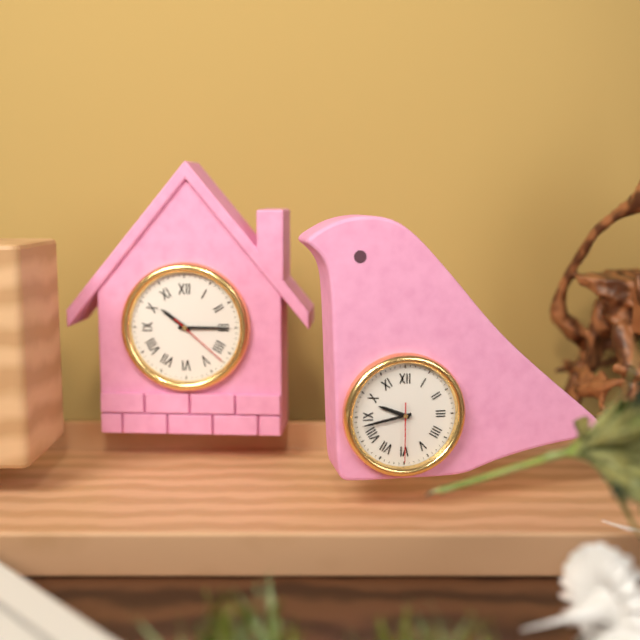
9:43:30
